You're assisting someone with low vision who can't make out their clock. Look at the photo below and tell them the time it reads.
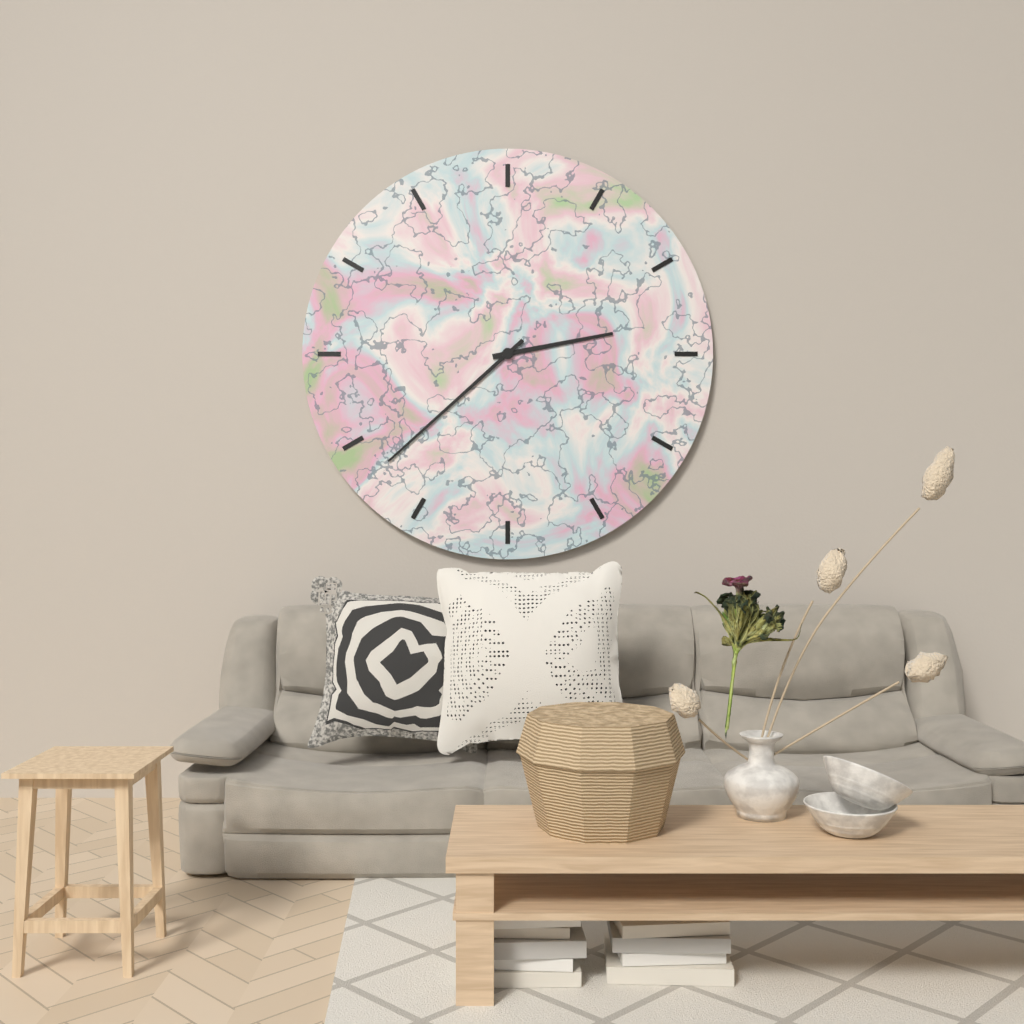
2:38
